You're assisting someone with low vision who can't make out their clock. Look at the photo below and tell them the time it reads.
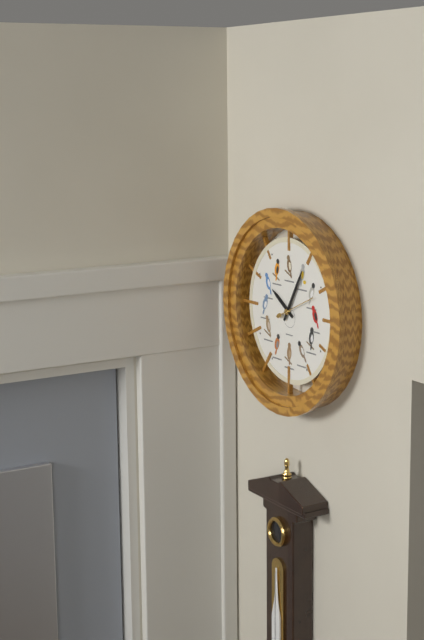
10:05
